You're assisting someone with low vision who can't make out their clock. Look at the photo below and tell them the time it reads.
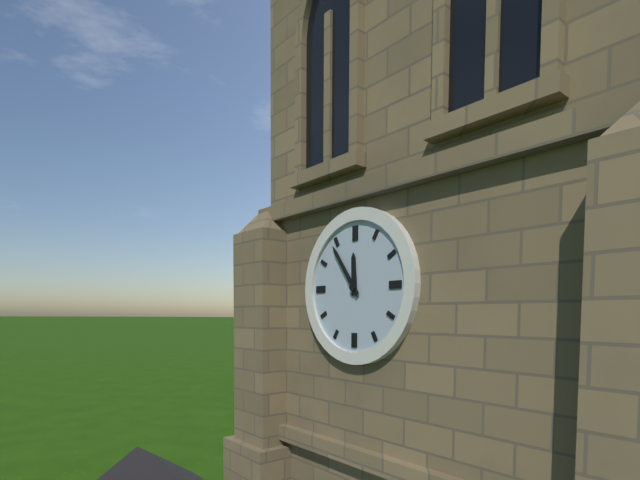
11:54
